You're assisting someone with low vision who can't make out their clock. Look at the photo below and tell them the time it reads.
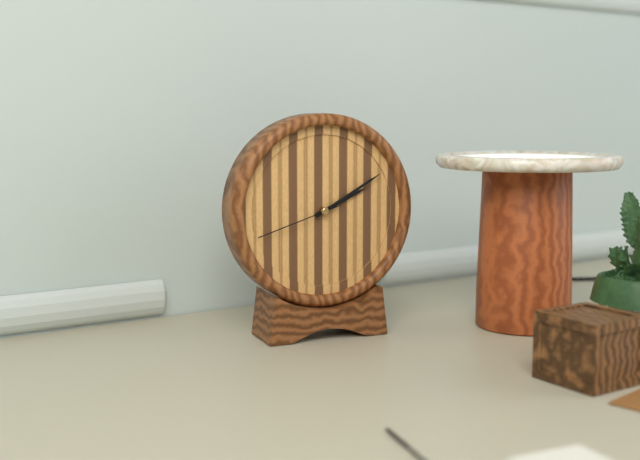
2:10:42
